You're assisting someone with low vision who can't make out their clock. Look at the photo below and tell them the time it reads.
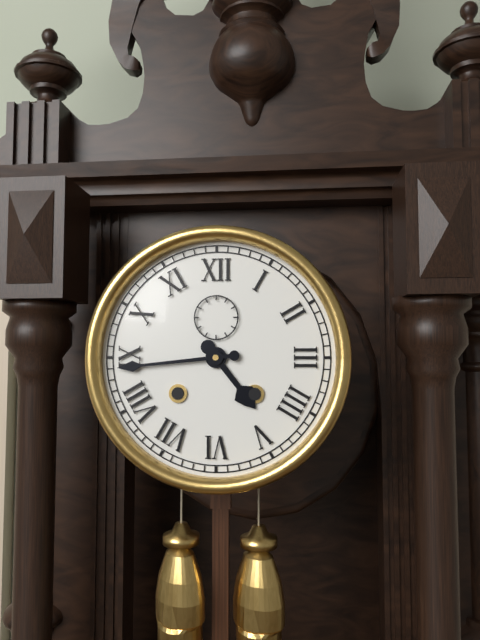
4:44
